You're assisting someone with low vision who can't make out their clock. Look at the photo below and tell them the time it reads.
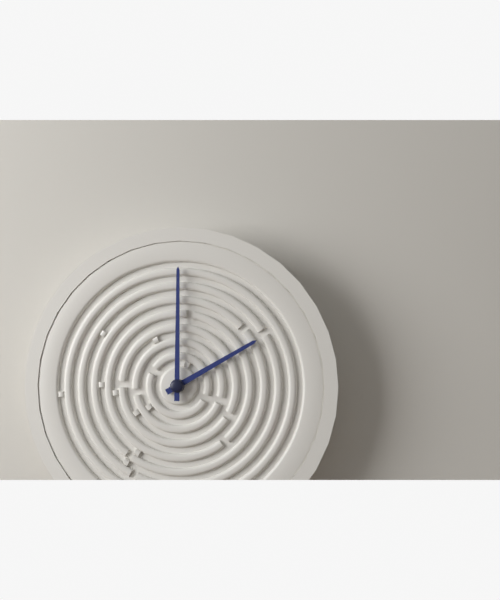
2:00
